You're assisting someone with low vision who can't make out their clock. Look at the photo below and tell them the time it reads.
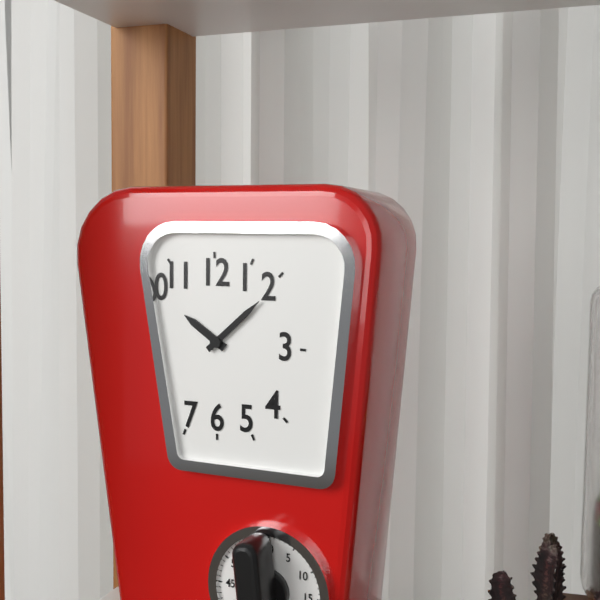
10:08
